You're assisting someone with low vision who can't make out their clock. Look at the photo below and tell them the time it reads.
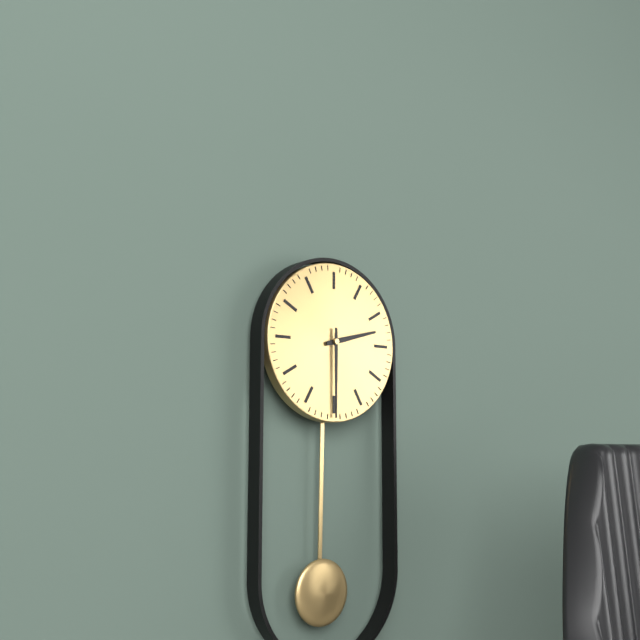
2:30
